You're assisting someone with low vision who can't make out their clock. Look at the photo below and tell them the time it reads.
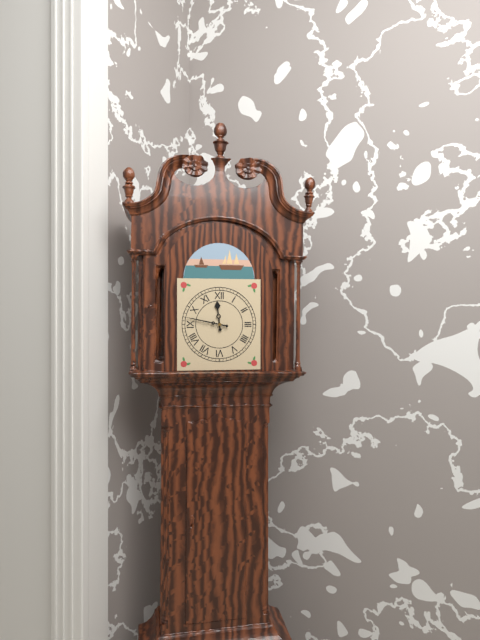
11:47
